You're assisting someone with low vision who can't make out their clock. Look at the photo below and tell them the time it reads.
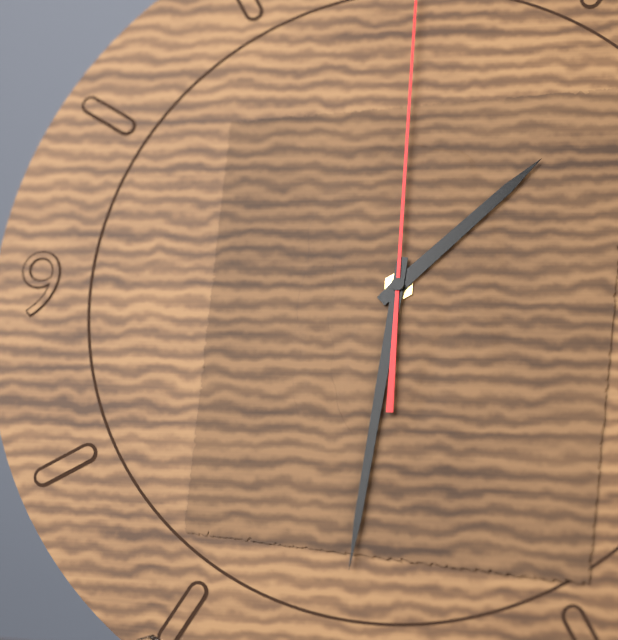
1:31
